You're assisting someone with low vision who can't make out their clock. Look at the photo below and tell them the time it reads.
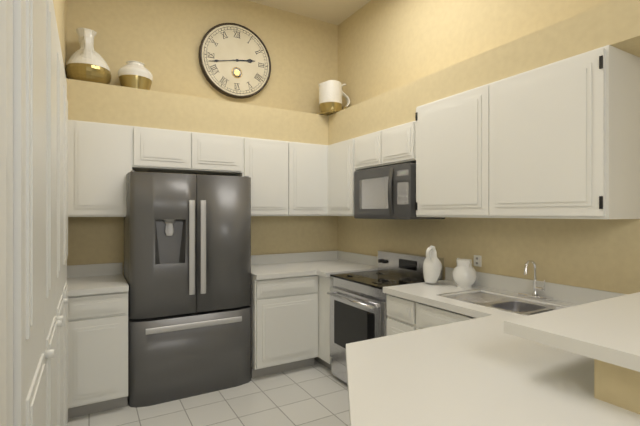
2:43
